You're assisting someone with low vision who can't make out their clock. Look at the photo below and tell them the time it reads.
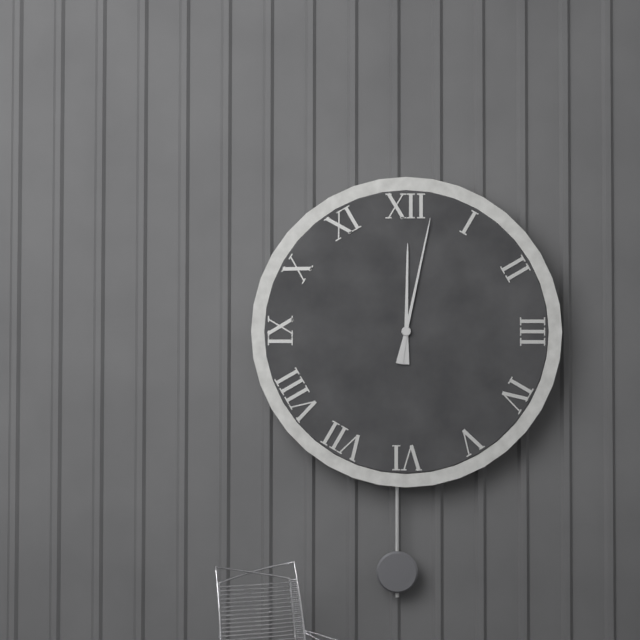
12:02
